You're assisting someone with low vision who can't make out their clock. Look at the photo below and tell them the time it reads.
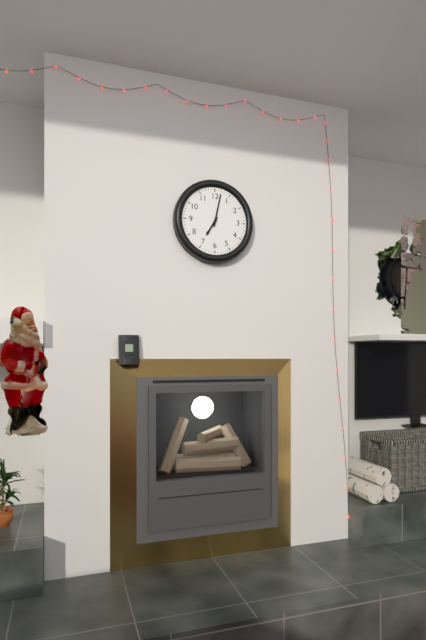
7:02
